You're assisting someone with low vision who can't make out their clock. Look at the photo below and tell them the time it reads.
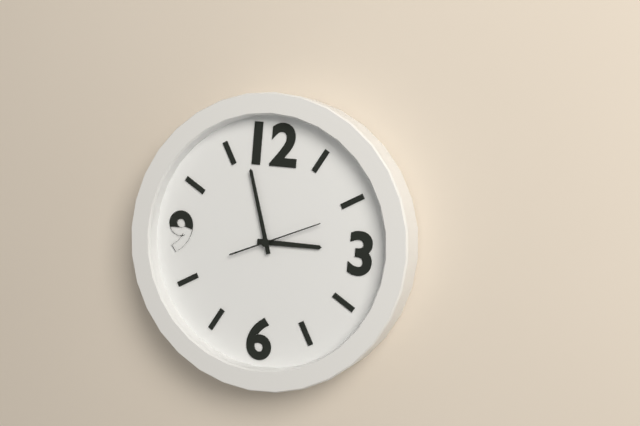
2:57:11
